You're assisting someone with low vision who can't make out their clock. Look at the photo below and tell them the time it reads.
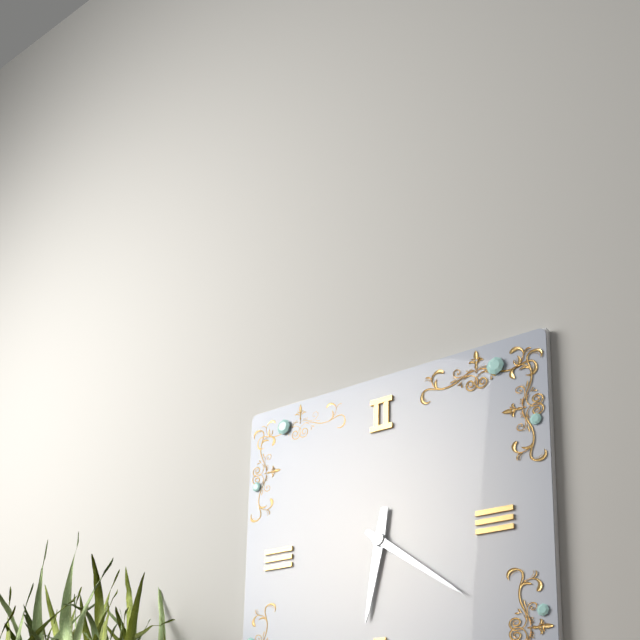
6:21
